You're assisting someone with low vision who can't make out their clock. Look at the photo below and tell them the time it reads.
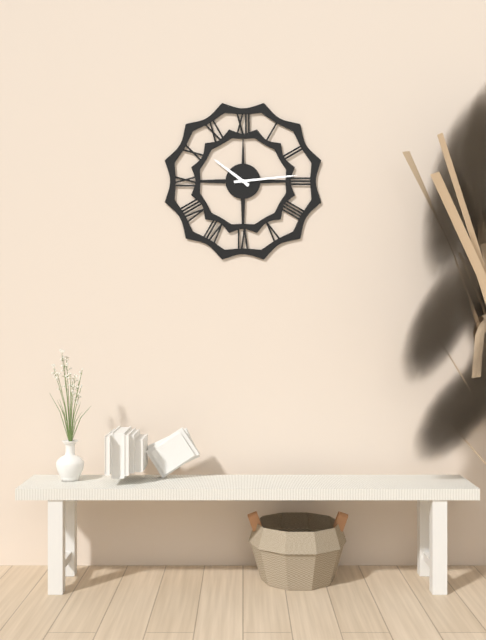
10:14
